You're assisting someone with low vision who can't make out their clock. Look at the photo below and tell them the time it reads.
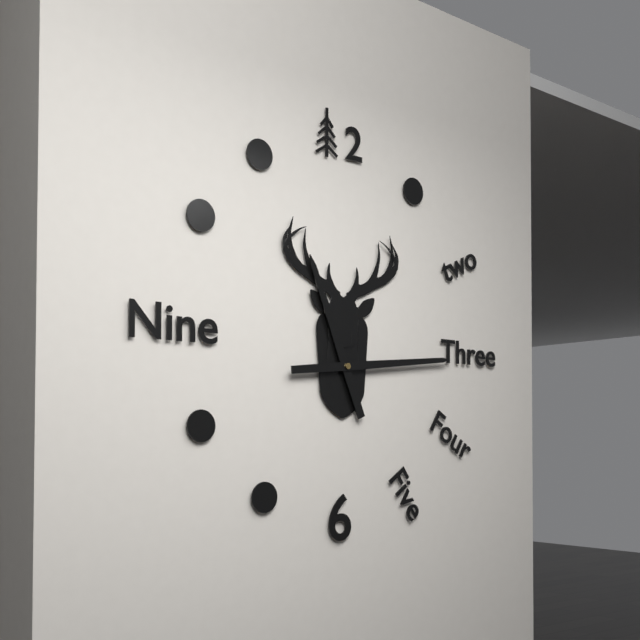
11:14
